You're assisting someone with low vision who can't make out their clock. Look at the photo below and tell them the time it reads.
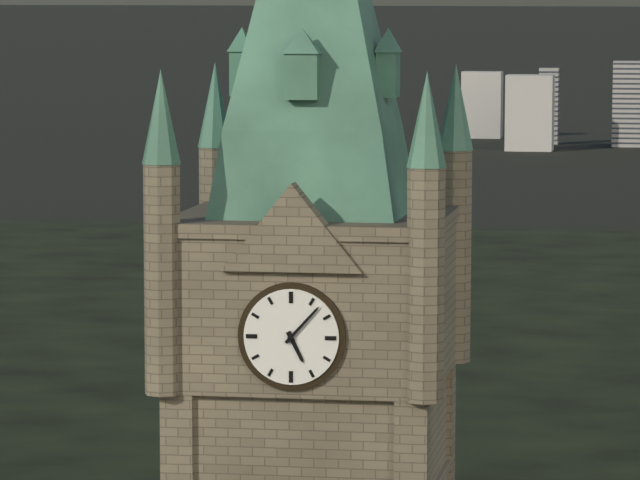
5:07
